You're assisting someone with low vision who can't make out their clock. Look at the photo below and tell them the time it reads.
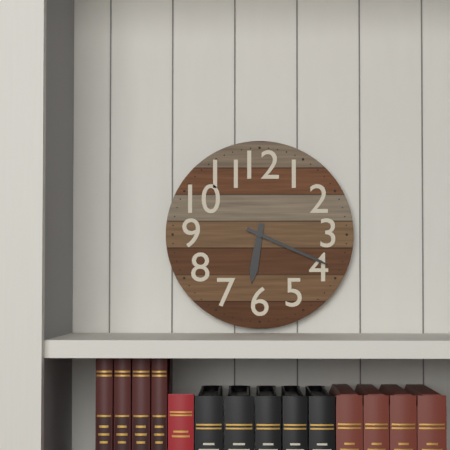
6:19
